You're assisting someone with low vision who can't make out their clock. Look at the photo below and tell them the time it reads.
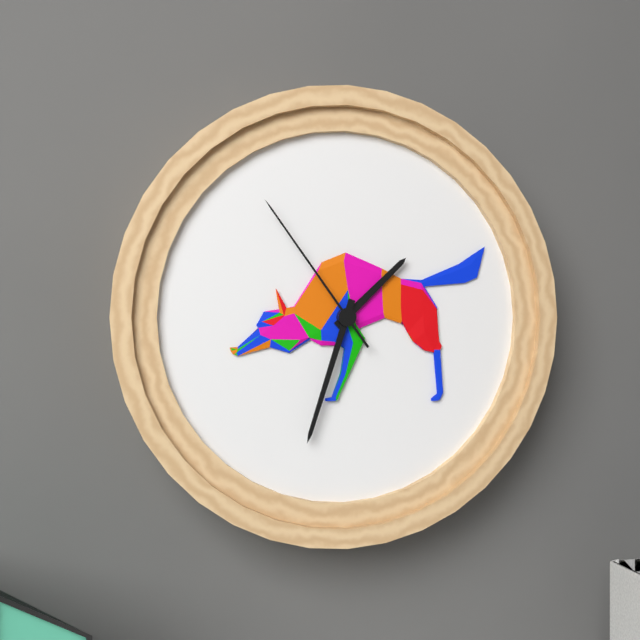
1:33:54
